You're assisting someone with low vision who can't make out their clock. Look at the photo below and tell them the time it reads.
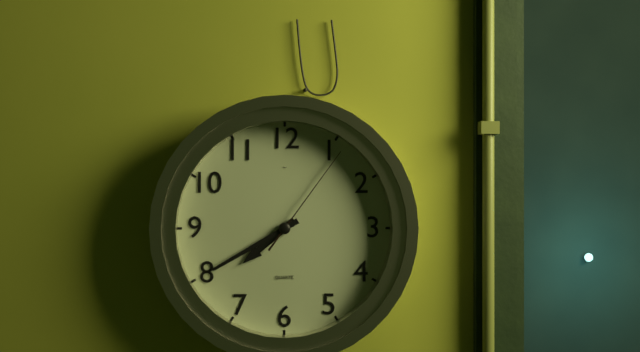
7:40:06
